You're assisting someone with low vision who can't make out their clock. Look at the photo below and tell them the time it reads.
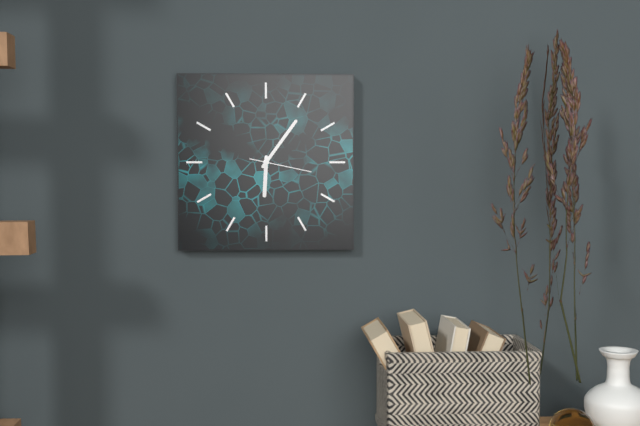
6:06:17
